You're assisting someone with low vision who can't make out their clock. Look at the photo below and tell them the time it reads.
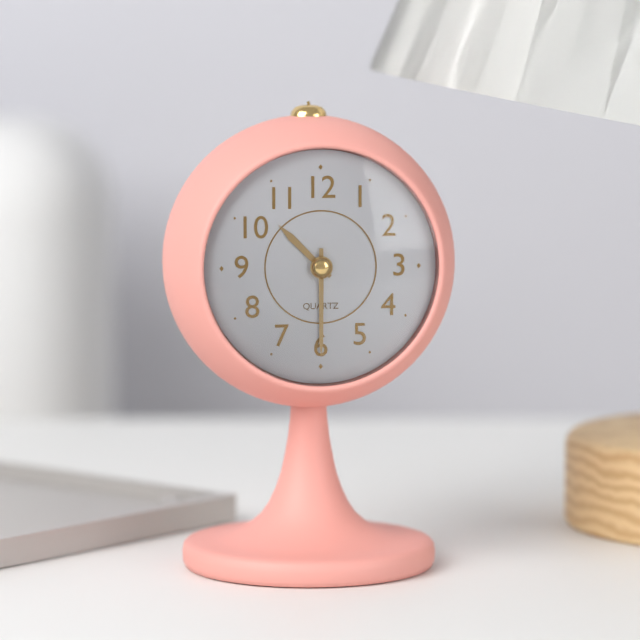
10:30
